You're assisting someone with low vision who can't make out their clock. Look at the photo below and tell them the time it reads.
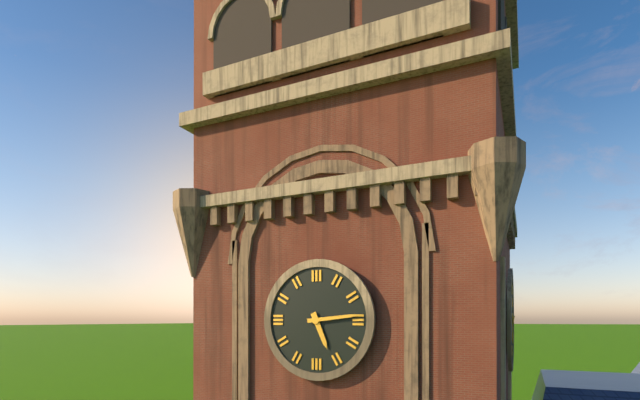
5:14
